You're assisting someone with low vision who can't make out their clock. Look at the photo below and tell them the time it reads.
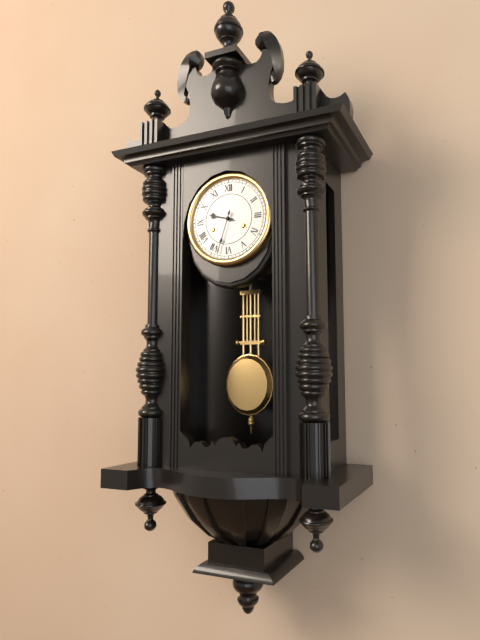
9:33
